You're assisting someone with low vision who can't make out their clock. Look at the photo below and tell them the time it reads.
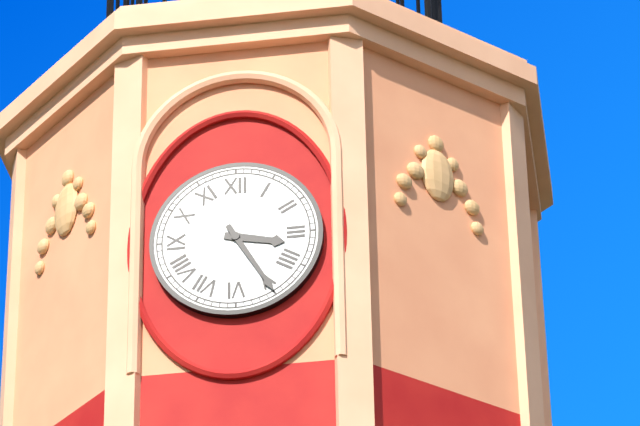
3:25
